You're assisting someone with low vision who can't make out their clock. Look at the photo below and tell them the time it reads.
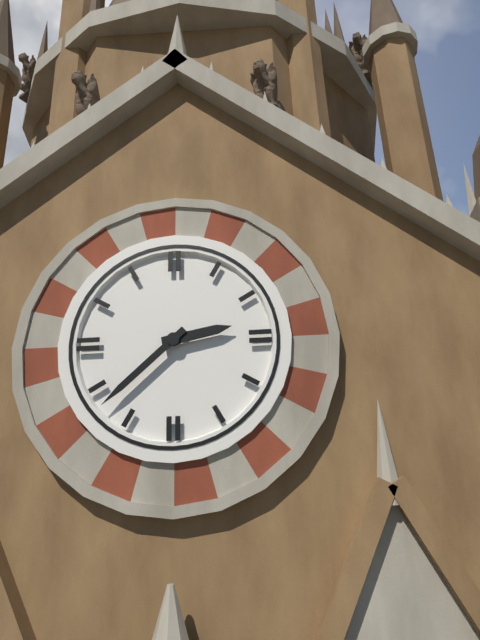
2:38
